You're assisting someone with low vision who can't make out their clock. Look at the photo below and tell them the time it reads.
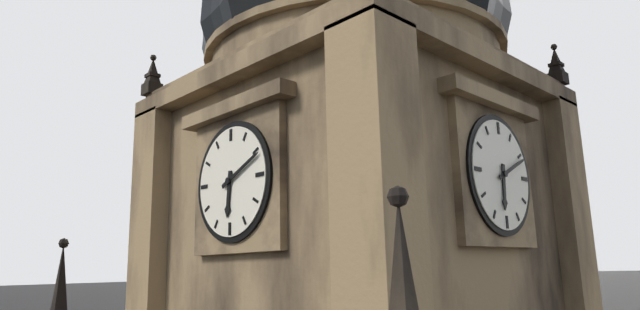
6:11
